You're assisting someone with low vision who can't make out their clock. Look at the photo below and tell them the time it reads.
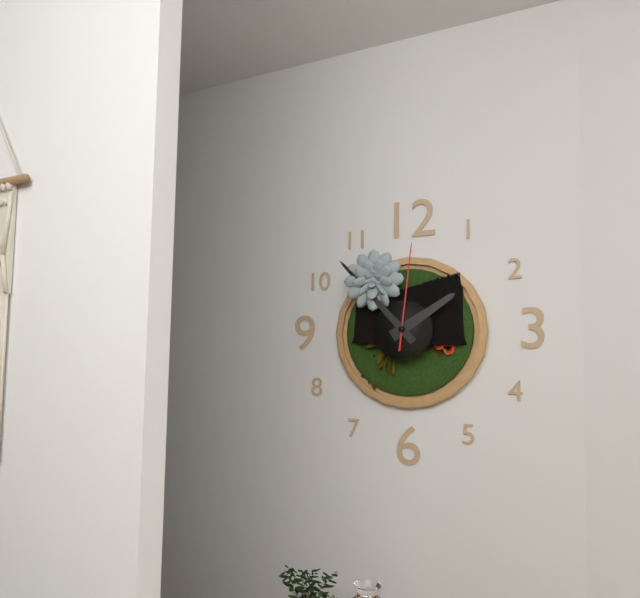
1:53:01
